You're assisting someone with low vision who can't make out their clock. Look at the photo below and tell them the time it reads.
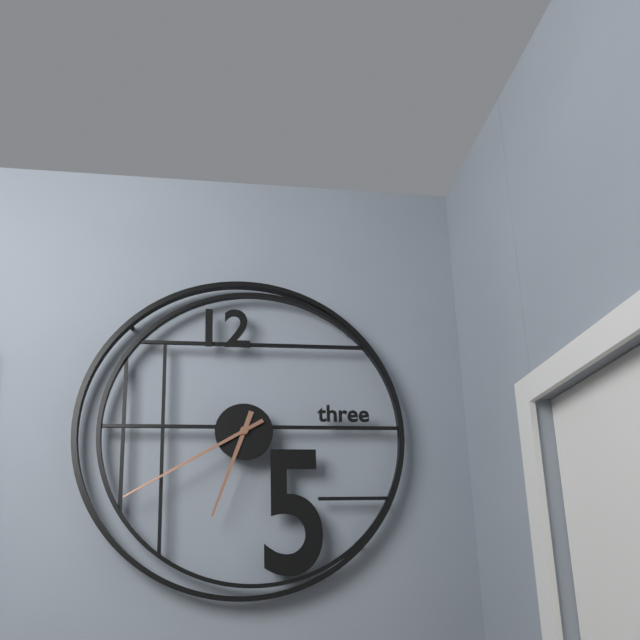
6:40
